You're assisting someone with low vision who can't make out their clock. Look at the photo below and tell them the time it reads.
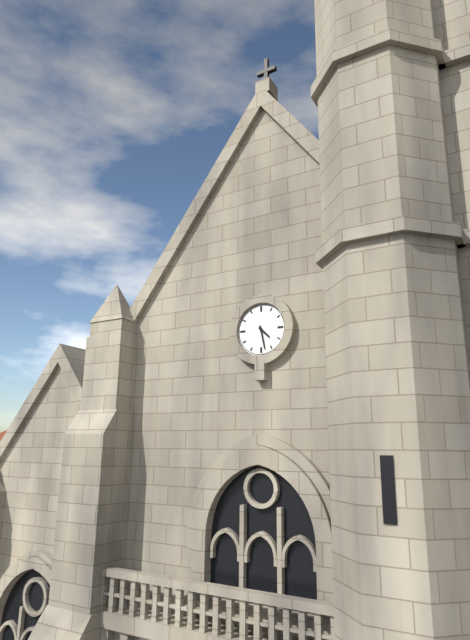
4:28
